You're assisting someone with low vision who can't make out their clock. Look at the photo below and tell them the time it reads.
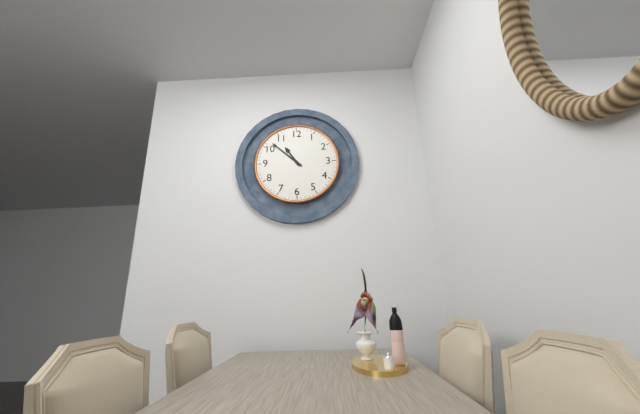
10:52
